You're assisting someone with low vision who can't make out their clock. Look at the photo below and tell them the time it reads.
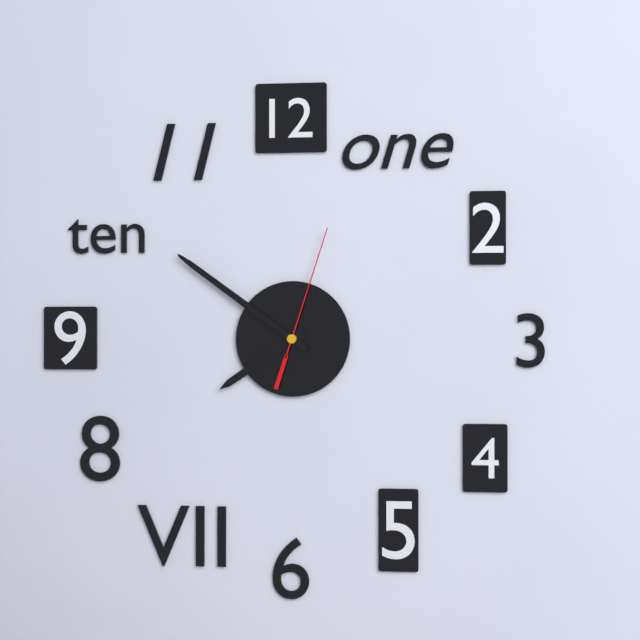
7:51:03
